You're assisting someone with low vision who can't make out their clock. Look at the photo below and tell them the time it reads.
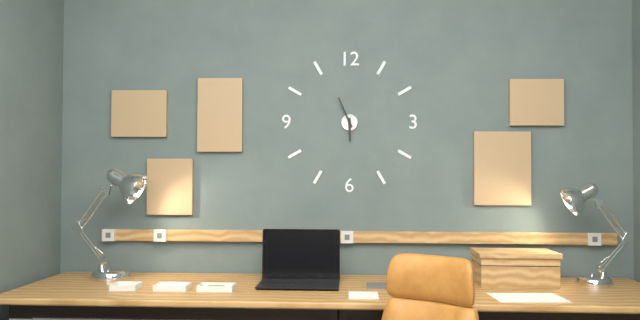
5:56
